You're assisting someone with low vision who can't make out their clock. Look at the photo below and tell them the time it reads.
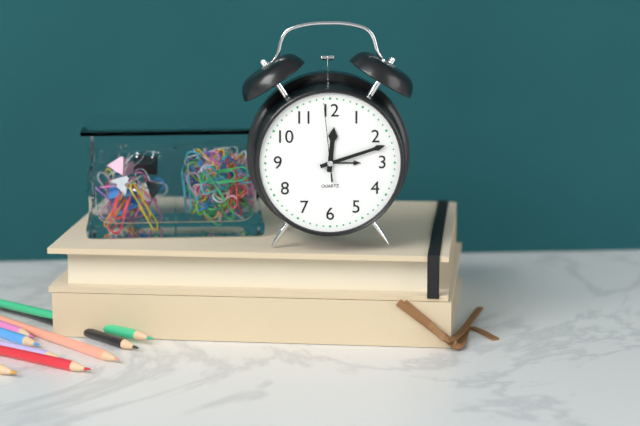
12:12:59
